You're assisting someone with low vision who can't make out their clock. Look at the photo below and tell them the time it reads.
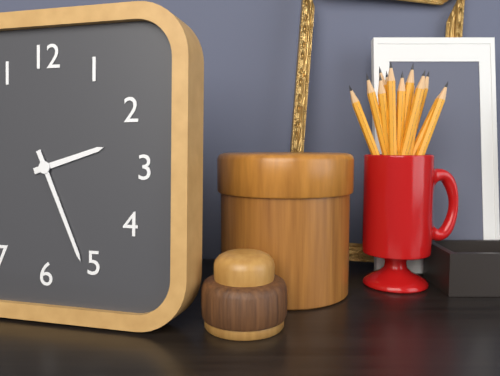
2:26
